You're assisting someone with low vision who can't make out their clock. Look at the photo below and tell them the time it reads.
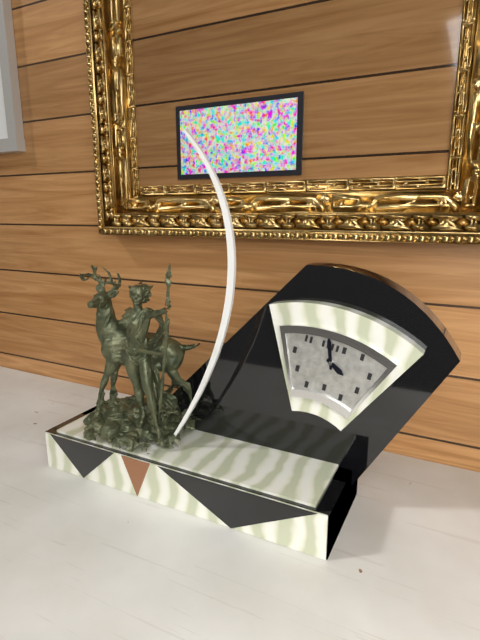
3:57
